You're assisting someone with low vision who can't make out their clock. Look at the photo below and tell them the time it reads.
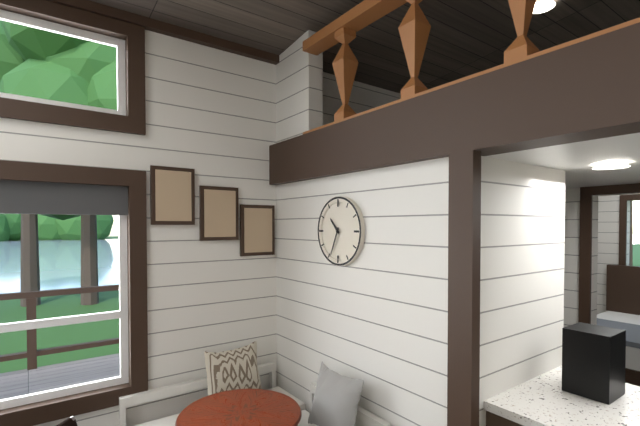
10:34
